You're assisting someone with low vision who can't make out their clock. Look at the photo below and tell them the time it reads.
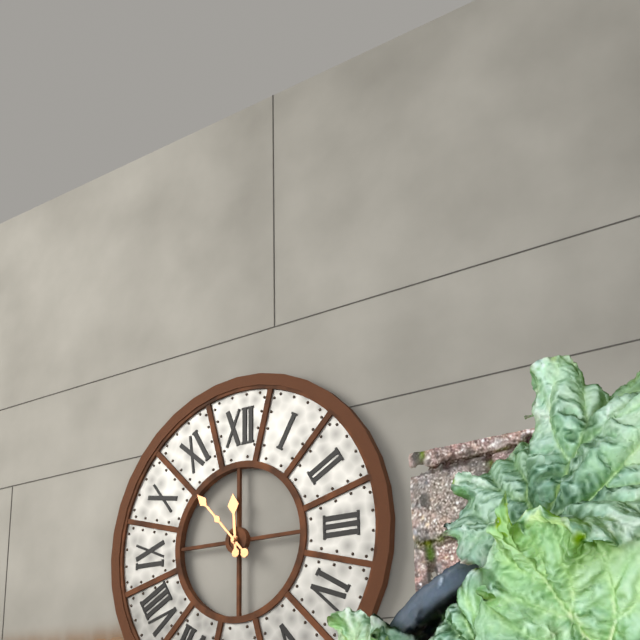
11:53
